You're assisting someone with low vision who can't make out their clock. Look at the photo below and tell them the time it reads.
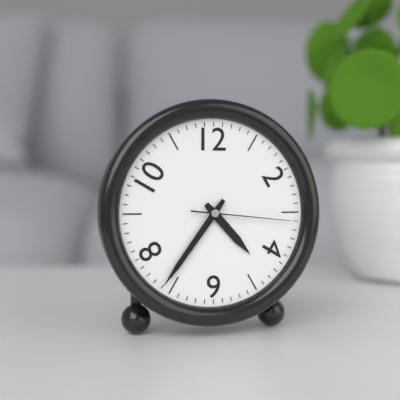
4:36:16
